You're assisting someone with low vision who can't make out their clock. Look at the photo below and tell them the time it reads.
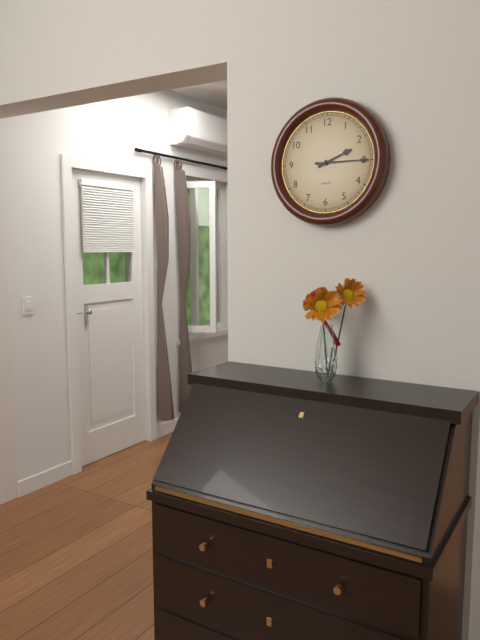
2:15
